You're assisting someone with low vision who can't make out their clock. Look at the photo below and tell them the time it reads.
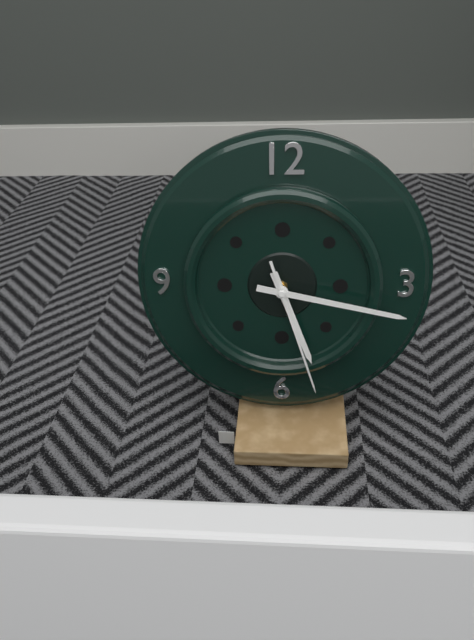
5:17:27
